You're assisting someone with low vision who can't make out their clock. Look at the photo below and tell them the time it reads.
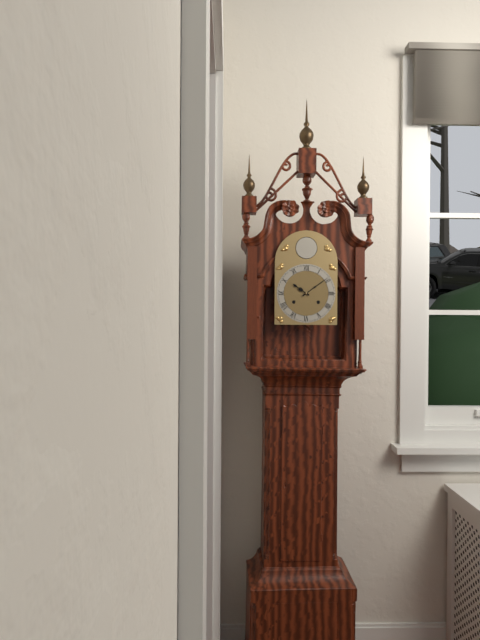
10:09
